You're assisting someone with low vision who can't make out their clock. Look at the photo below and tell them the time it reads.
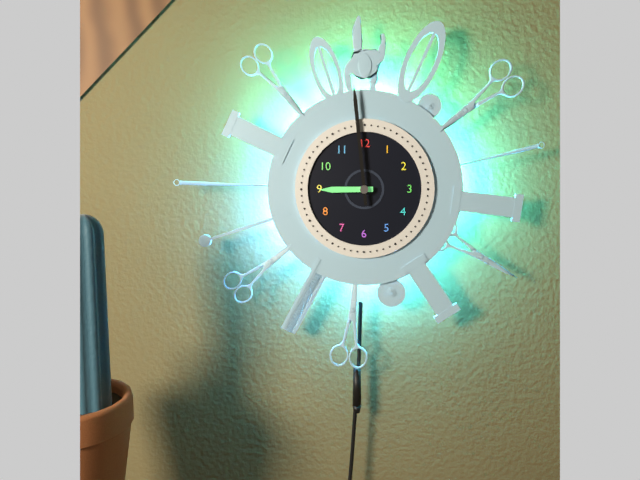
8:59
